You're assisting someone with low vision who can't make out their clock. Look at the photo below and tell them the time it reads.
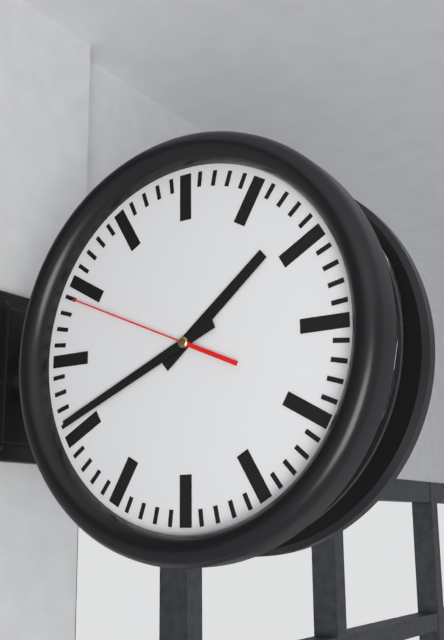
1:41:49
